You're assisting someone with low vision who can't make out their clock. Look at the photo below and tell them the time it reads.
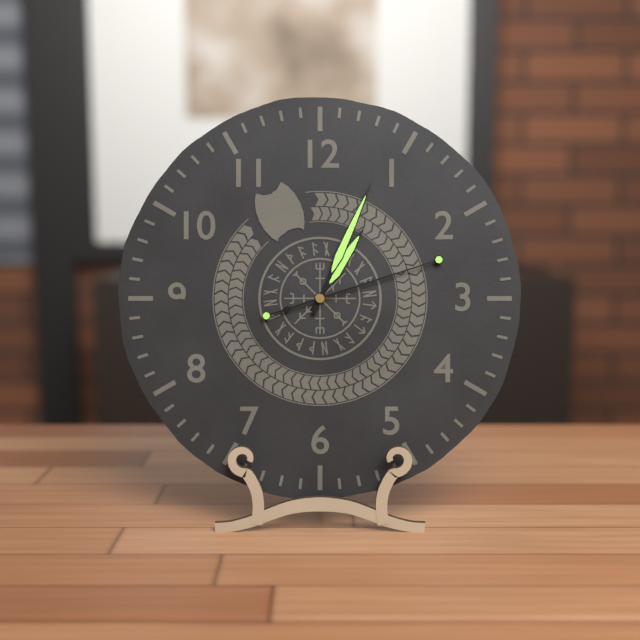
1:04:12
